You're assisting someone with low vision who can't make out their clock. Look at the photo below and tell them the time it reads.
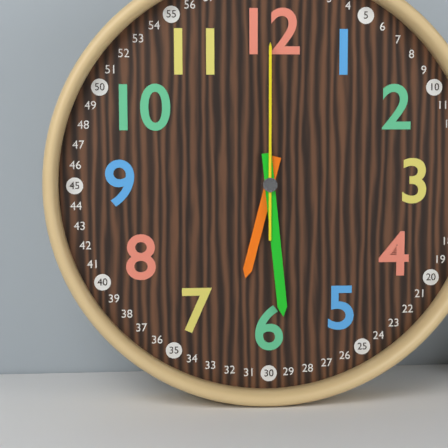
6:29:00
